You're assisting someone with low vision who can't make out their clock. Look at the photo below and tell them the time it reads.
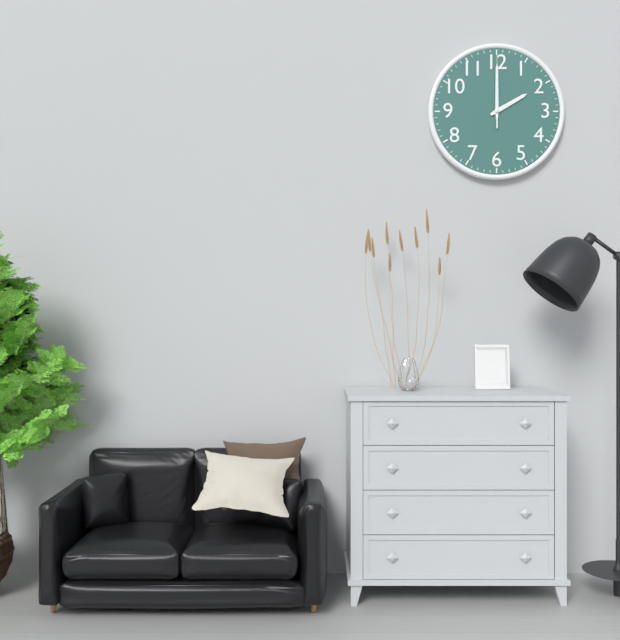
2:00:00
